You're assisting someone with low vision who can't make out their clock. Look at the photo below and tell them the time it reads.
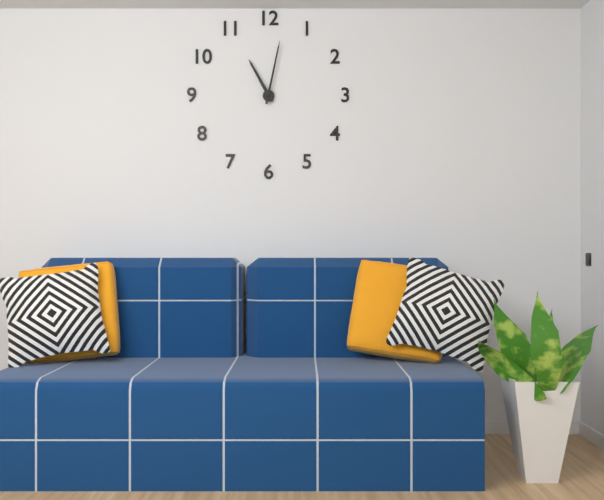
11:02
